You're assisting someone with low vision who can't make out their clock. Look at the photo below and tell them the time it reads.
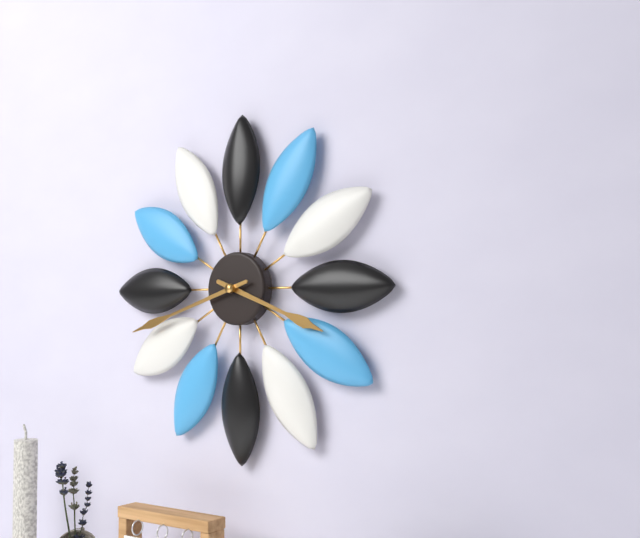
3:42
